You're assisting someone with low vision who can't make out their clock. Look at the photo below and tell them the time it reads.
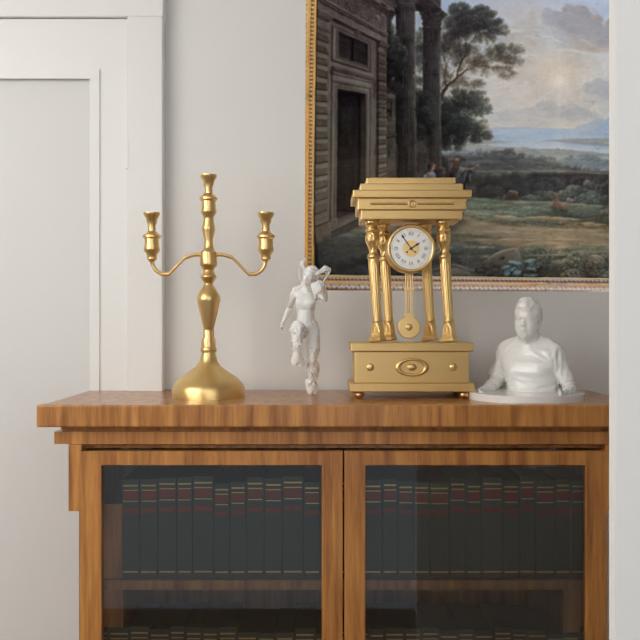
1:54
